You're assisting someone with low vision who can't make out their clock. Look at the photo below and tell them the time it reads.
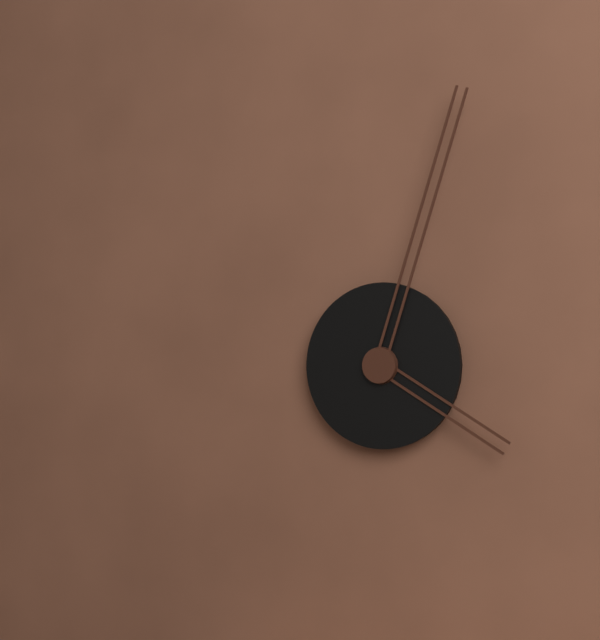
4:03
